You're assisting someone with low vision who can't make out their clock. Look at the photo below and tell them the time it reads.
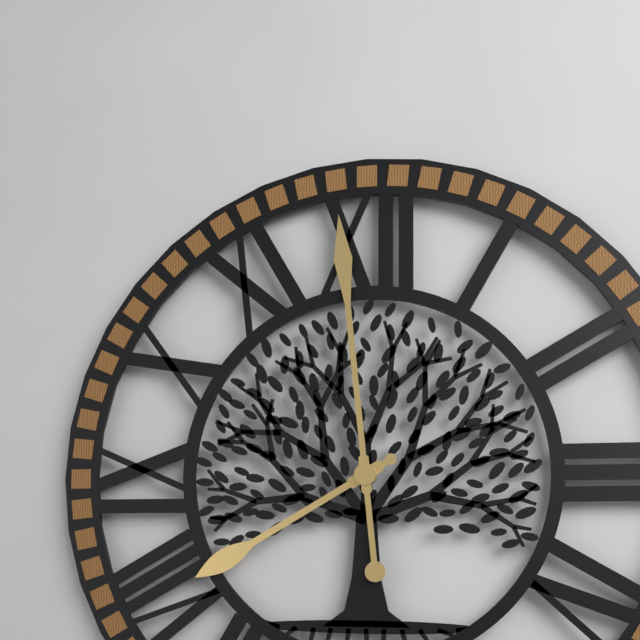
7:59
